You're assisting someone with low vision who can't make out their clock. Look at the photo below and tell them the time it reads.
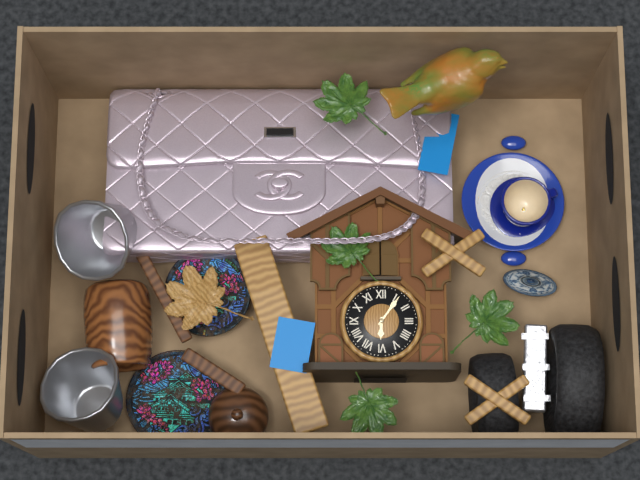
6:06
